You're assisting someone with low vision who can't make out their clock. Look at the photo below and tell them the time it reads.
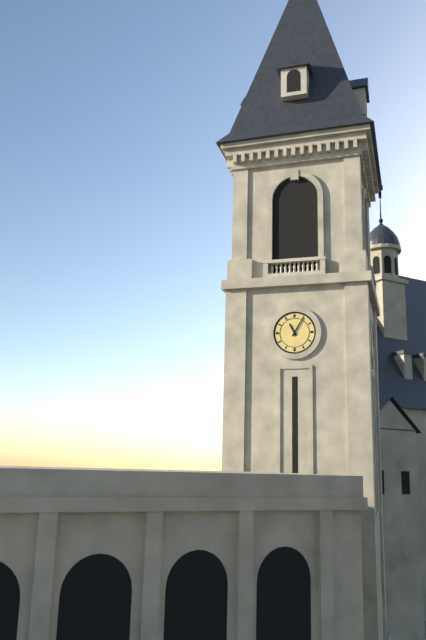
11:05
